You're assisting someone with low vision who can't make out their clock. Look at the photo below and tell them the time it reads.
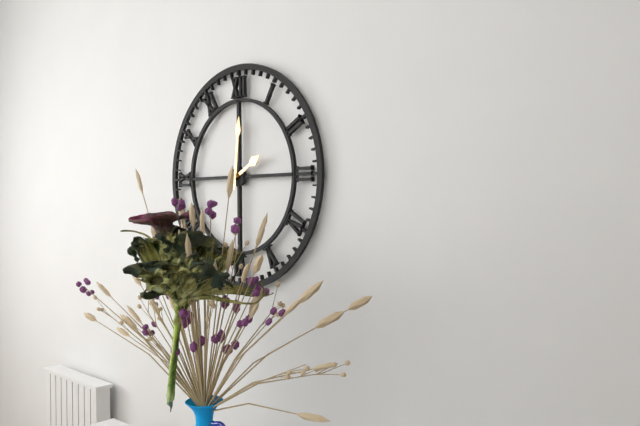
2:01
